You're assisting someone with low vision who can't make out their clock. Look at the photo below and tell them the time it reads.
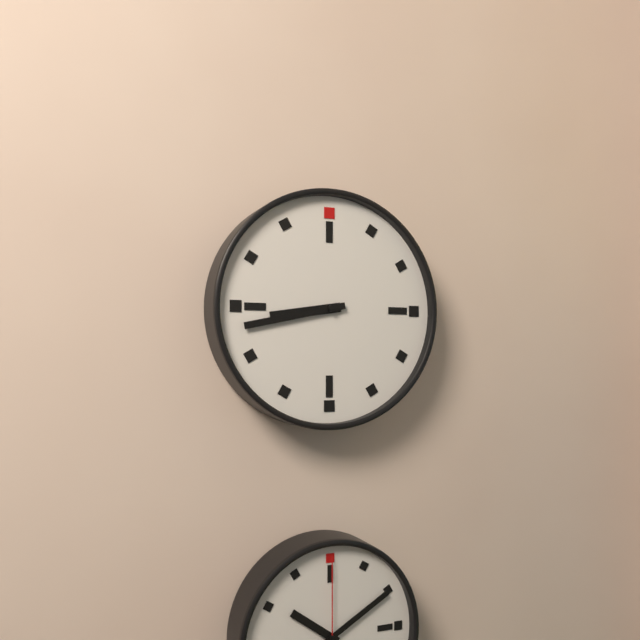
8:43
